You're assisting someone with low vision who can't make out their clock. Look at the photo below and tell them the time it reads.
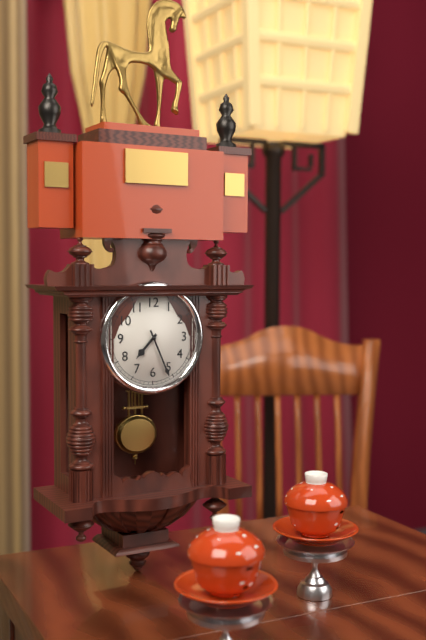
7:26
